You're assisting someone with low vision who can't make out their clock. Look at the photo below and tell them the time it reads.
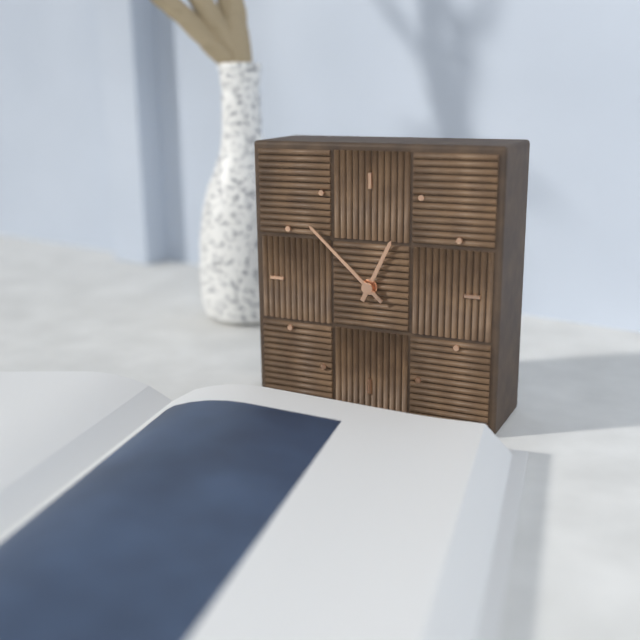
12:52
